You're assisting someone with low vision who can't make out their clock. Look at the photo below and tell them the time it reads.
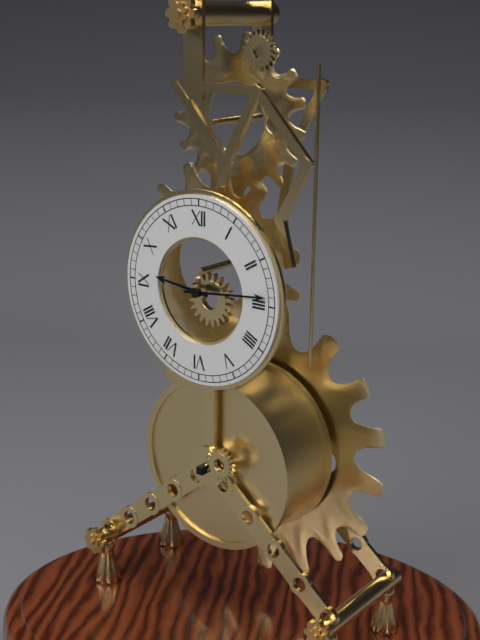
9:14
